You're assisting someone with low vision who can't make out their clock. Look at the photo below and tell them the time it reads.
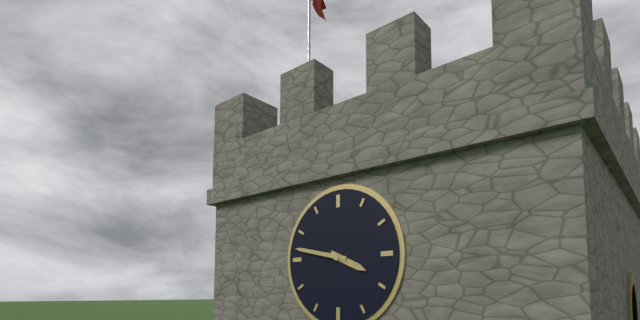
3:47
